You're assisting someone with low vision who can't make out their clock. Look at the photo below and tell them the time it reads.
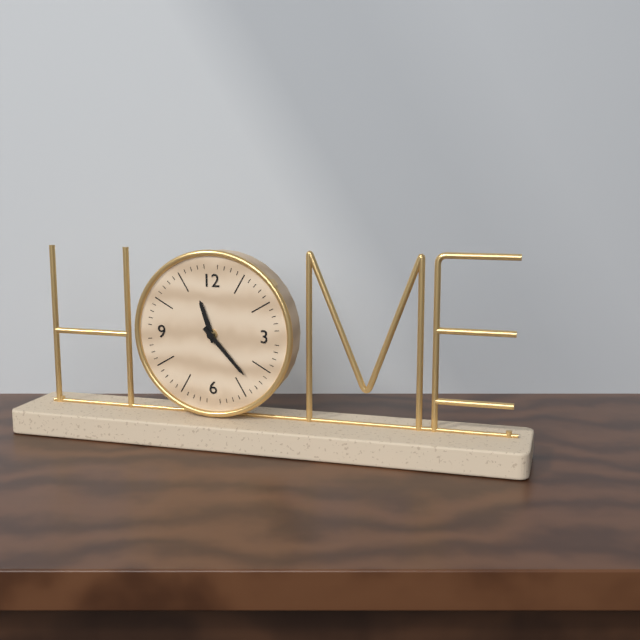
11:23
